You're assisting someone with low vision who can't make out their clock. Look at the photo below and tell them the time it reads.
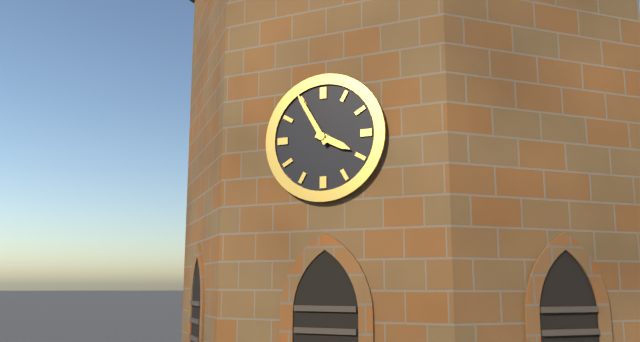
3:55
